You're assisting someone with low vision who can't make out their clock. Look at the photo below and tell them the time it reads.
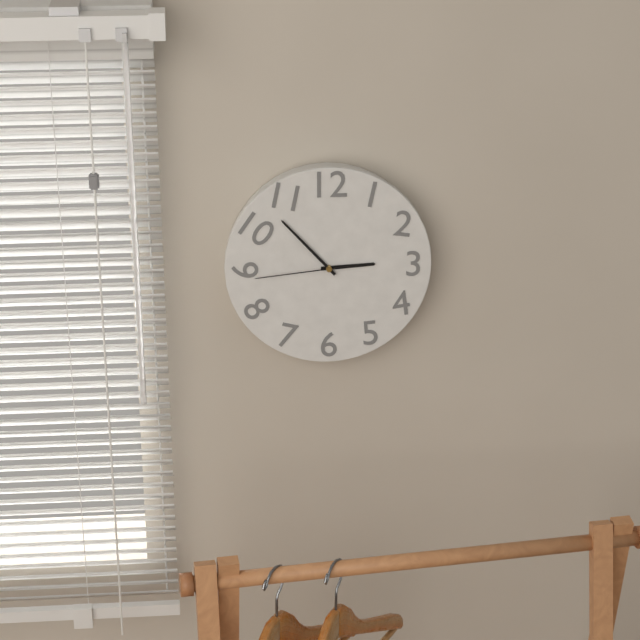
2:53:44
